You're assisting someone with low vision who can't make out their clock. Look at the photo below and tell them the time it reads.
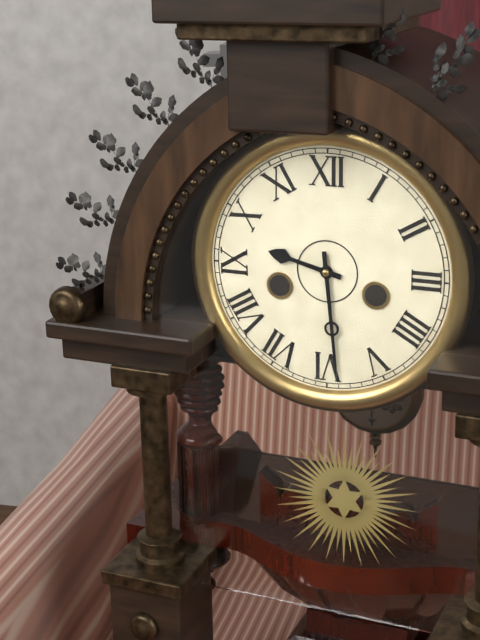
9:29
